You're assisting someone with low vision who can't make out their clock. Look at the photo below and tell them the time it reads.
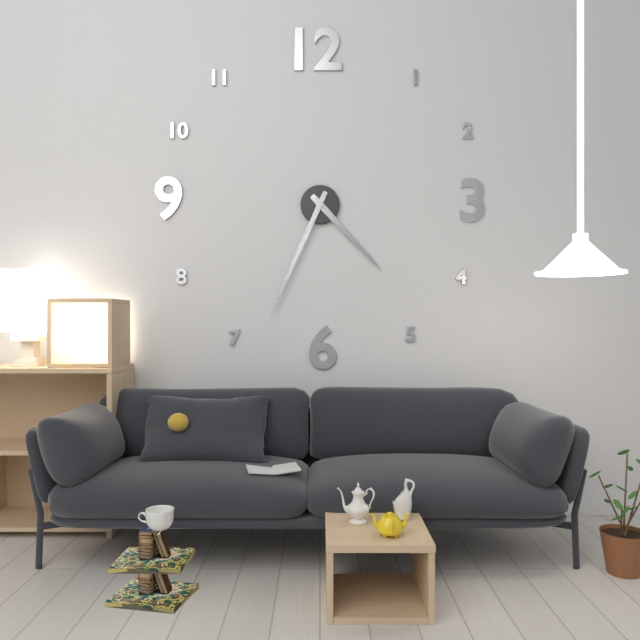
4:34
